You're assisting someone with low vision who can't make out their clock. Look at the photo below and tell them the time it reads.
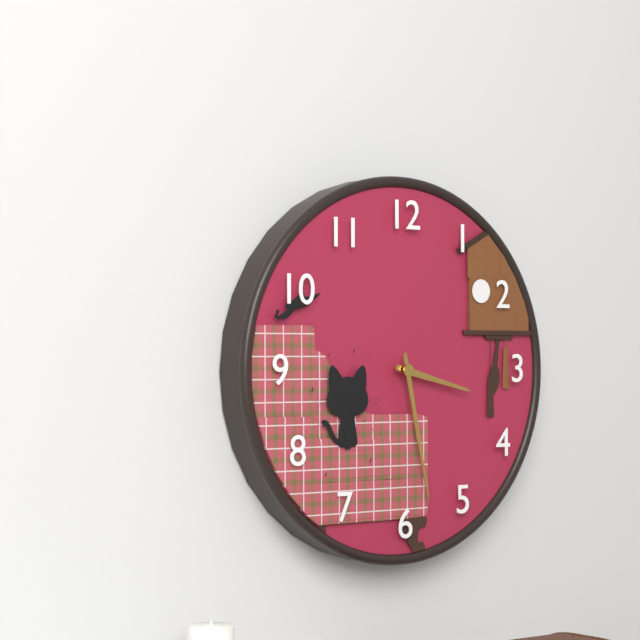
3:28
